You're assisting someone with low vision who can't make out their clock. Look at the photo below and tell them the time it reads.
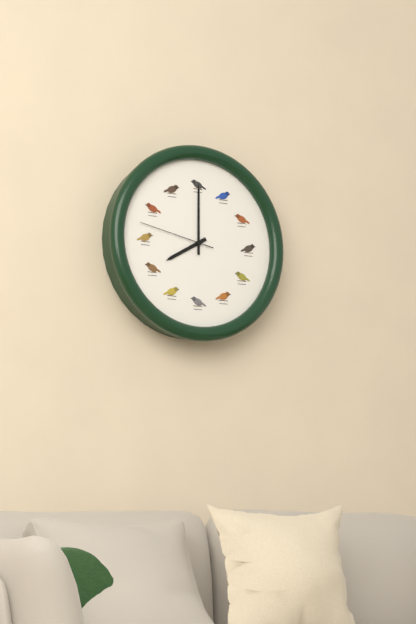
8:00:47
